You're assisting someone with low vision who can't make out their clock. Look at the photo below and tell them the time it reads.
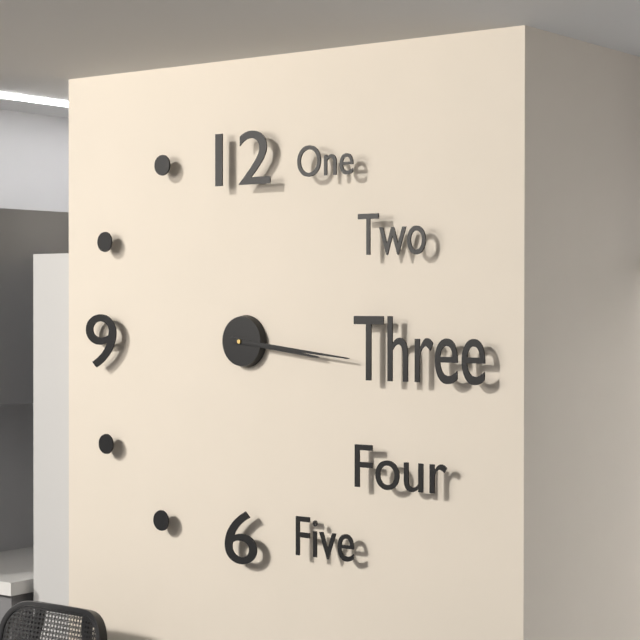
3:16
